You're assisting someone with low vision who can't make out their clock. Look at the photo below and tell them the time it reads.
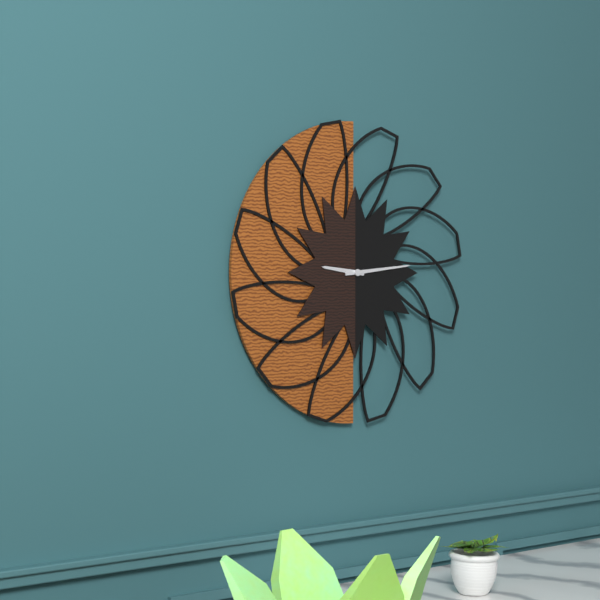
9:14
